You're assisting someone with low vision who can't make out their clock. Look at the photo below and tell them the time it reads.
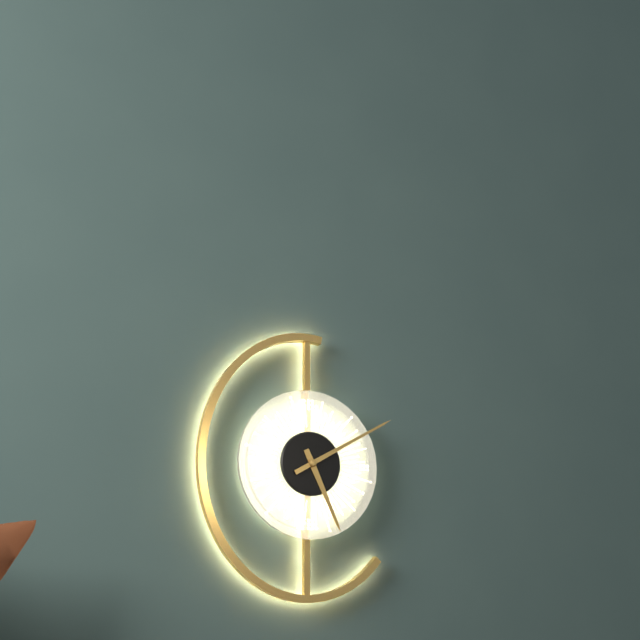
5:10
